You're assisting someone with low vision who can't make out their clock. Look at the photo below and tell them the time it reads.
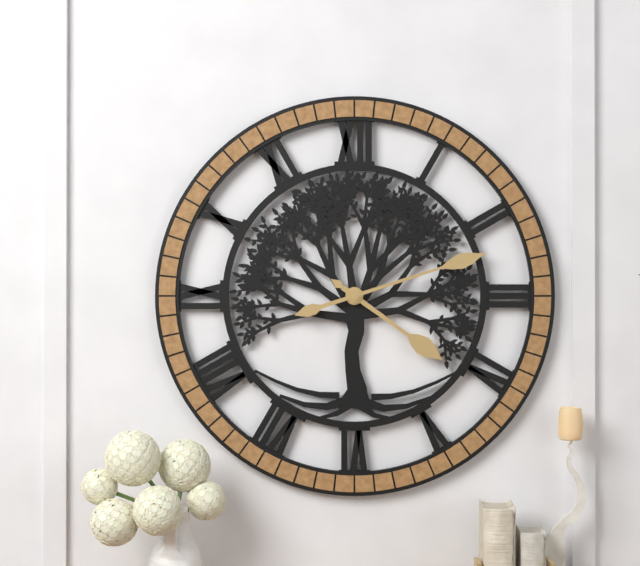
4:12
